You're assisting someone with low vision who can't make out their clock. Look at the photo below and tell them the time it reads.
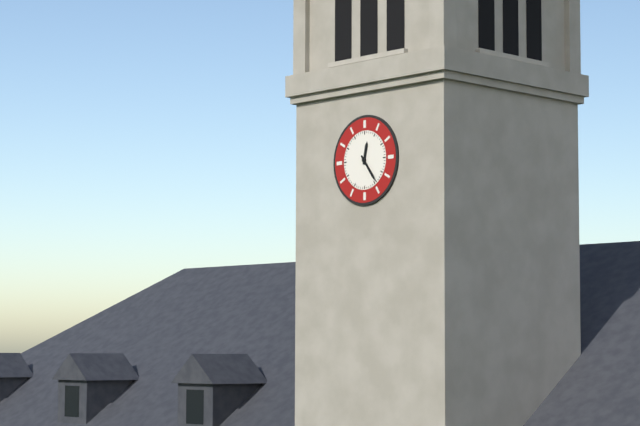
12:24
